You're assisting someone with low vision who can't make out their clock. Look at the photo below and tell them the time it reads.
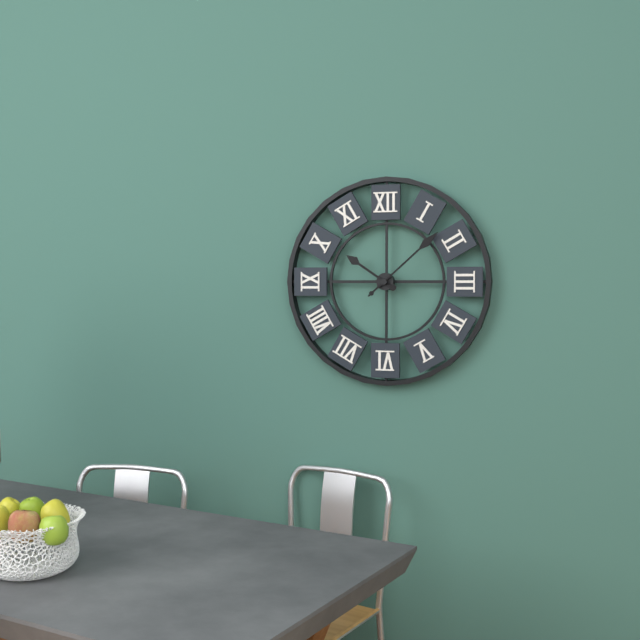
10:08
